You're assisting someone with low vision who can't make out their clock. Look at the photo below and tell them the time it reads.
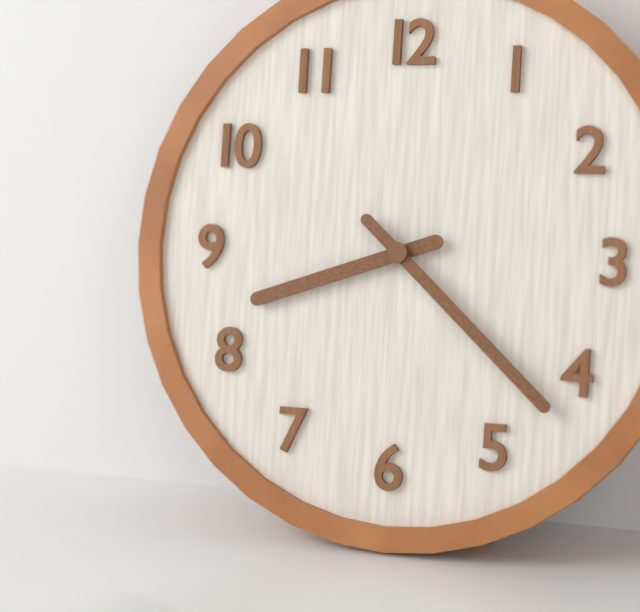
8:22
